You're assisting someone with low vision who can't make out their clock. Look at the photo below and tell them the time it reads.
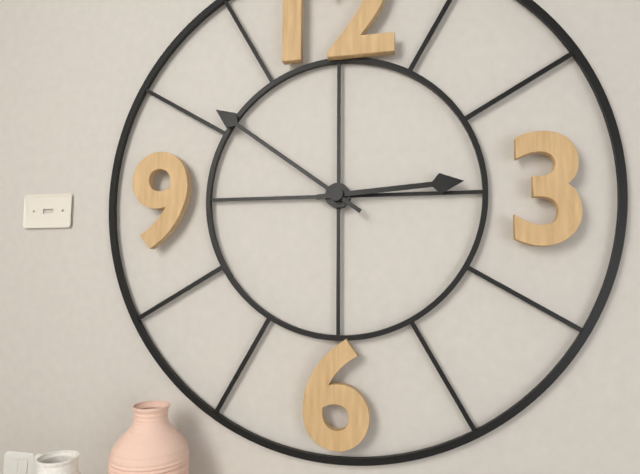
2:51
